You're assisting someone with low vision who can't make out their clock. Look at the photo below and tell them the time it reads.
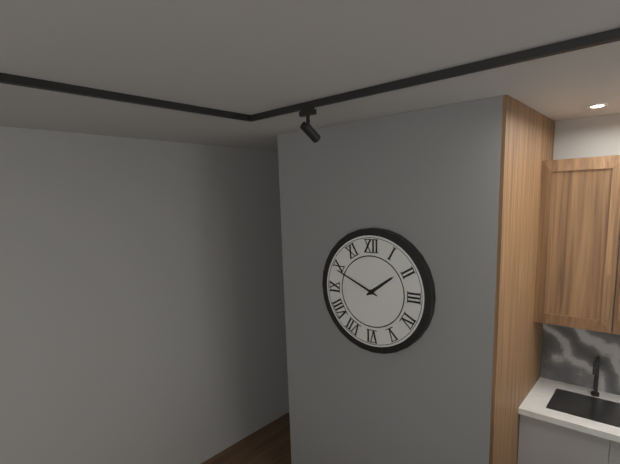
1:49
